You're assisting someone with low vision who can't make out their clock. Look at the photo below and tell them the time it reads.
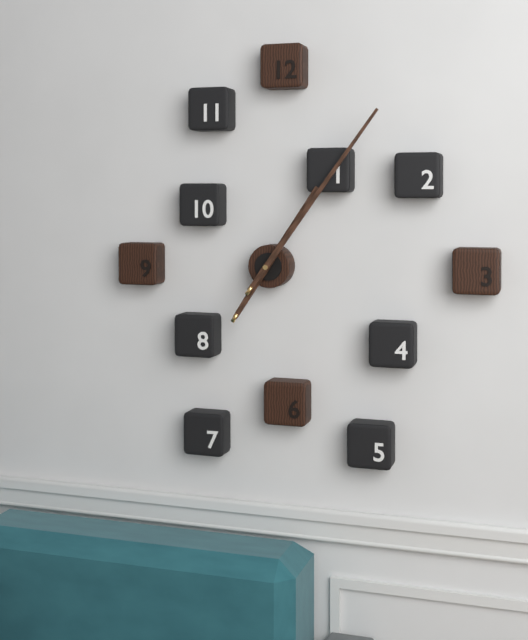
1:06
